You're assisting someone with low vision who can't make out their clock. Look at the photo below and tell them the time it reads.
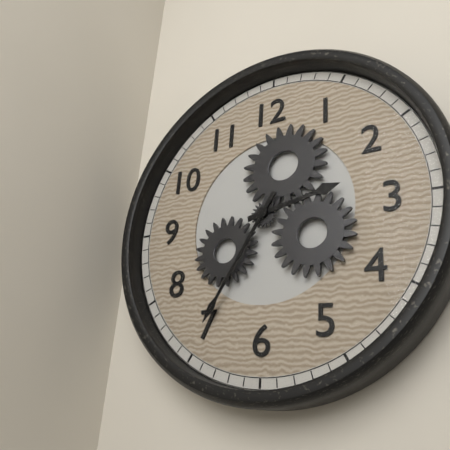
2:35
